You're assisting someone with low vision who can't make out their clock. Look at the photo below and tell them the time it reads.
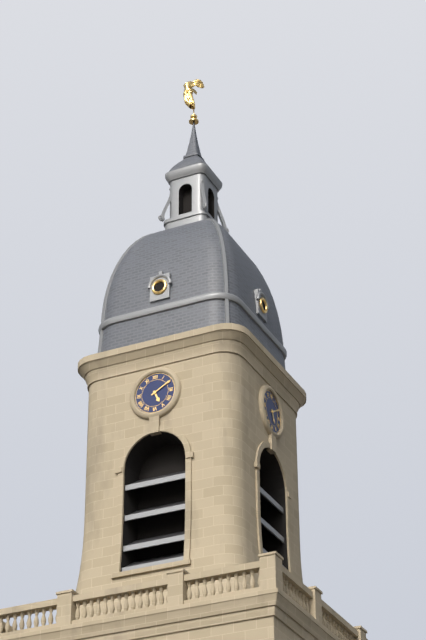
5:10
